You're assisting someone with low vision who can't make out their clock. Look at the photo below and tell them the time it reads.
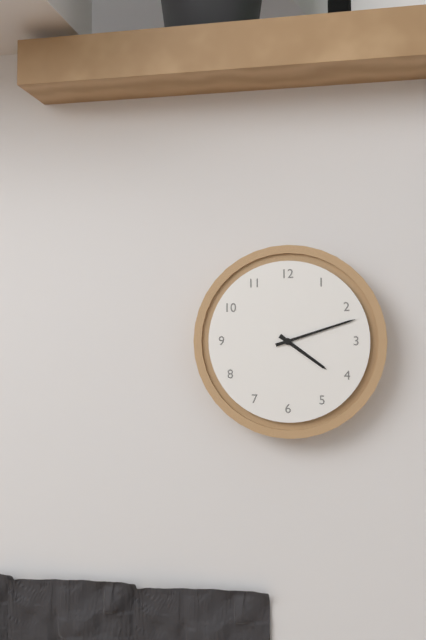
4:12
